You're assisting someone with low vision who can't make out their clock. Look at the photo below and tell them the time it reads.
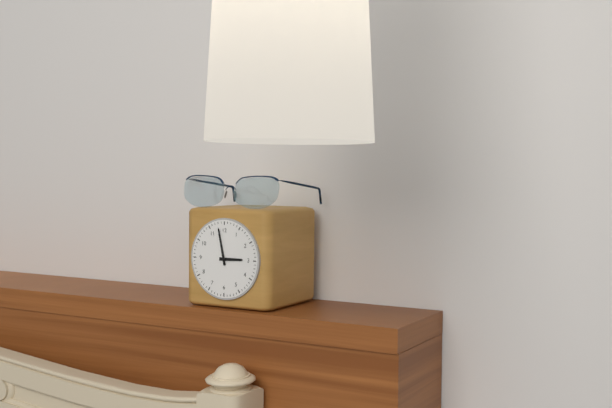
2:58
